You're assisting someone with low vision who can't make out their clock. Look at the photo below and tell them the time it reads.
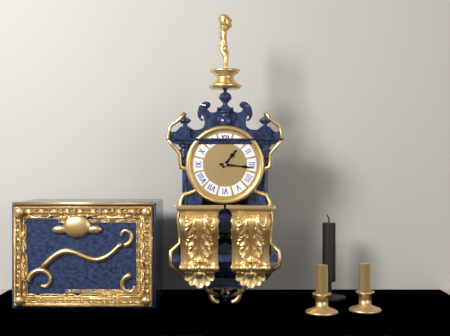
1:16
